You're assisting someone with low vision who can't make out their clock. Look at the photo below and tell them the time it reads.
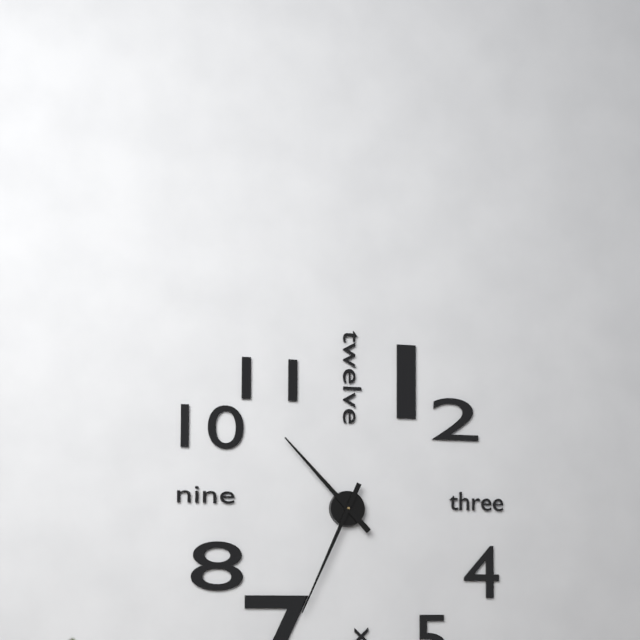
10:34
